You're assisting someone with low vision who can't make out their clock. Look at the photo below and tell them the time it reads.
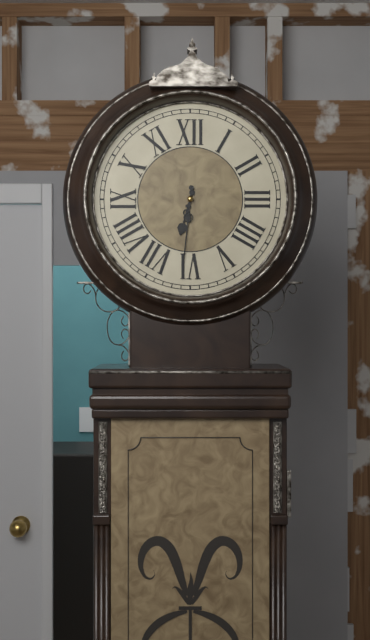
6:31
